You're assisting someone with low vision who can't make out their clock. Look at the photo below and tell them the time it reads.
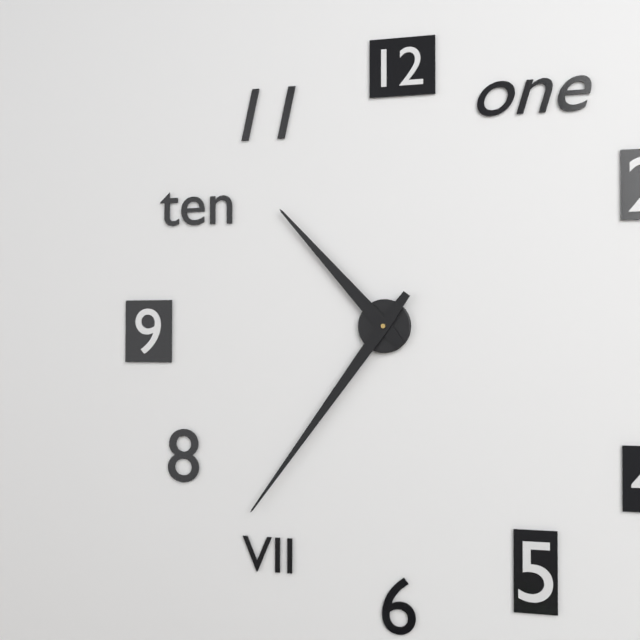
10:36
